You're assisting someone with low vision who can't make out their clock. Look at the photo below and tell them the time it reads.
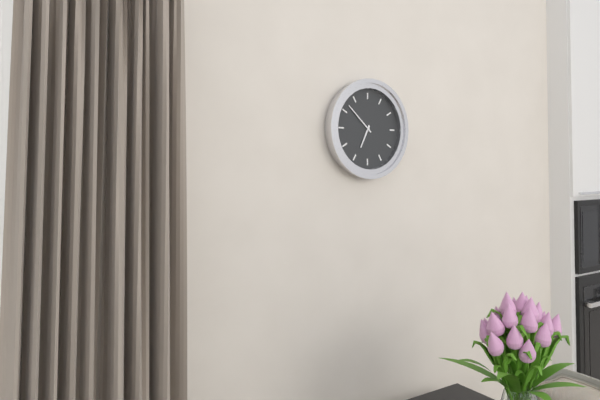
6:52
